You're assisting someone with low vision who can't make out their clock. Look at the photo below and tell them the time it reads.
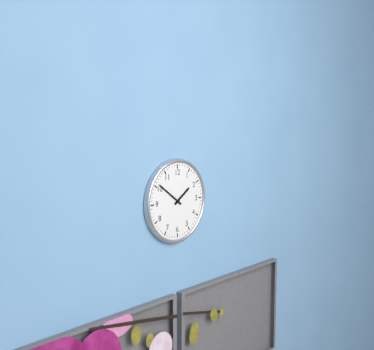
1:51
